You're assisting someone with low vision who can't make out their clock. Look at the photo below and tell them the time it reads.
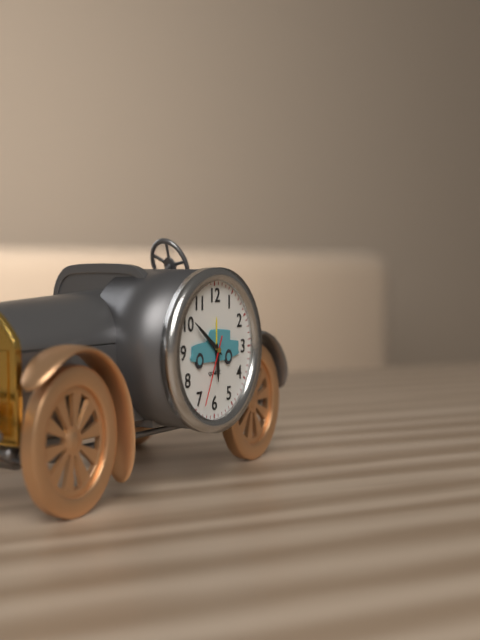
5:51:34
